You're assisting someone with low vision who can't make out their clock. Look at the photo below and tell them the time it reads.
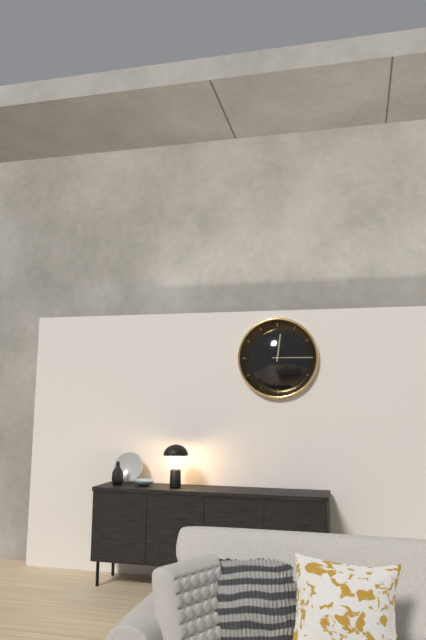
12:15
